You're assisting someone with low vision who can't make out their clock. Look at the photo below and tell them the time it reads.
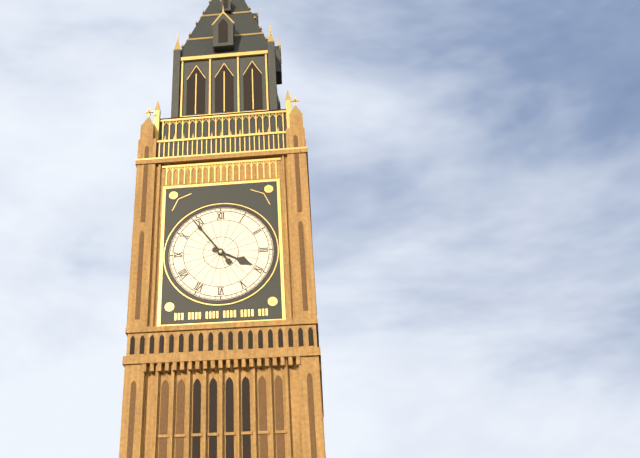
3:54
